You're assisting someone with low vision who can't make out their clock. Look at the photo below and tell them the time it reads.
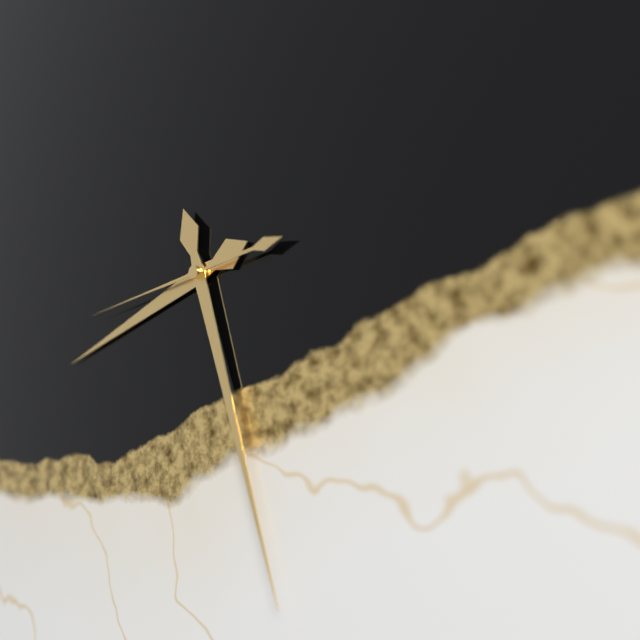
8:27:44
